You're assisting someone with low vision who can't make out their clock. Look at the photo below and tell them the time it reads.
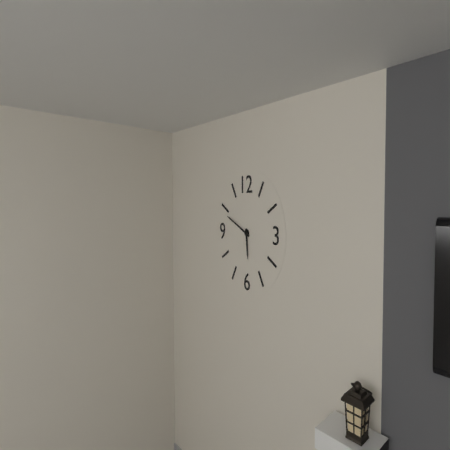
5:49
